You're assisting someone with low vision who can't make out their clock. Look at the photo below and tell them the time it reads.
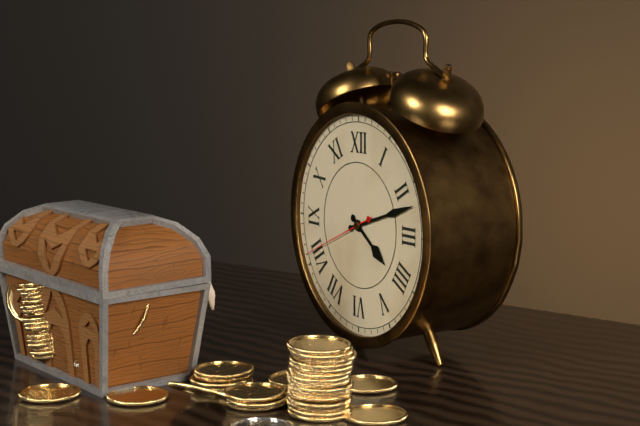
4:12:41
